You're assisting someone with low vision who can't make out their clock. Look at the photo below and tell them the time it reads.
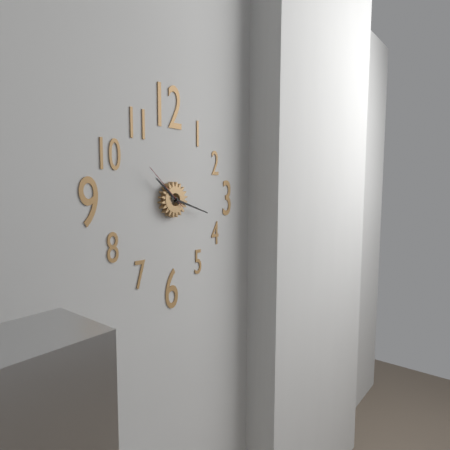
10:18:52
